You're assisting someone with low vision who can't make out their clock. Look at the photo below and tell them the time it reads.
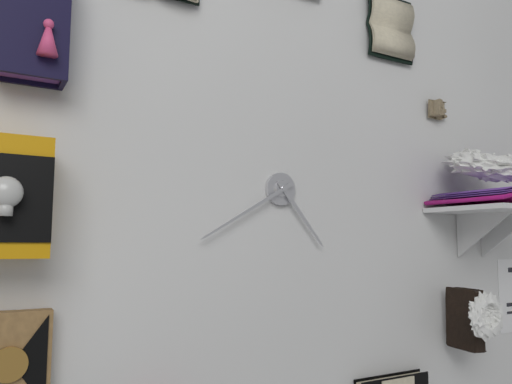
4:40
